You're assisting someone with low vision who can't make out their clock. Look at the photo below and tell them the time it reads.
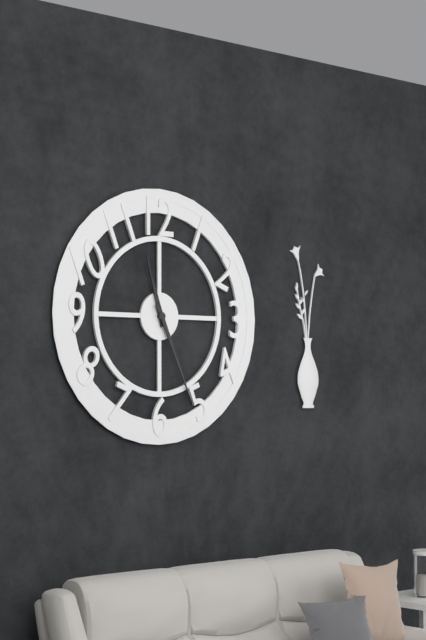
11:26
